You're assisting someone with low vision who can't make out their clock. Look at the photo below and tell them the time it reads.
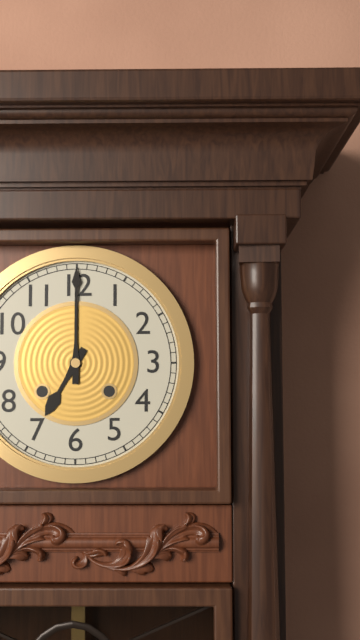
7:00
